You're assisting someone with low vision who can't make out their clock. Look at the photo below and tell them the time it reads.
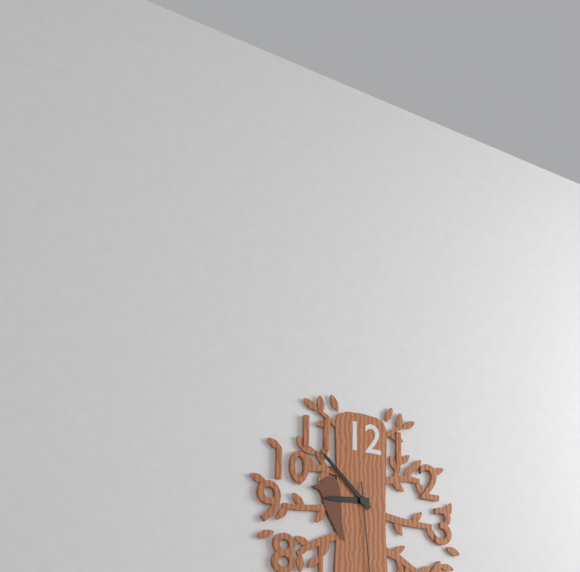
8:52
